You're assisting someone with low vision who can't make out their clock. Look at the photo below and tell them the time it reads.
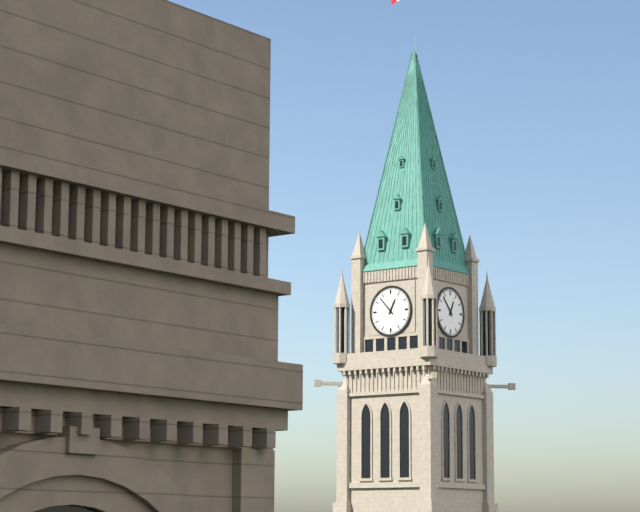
12:53
